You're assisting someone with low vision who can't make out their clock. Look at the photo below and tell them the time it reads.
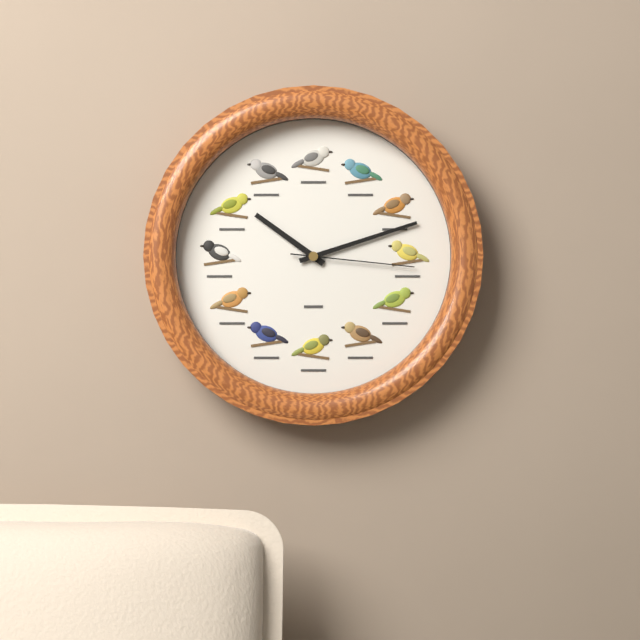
10:12:16
